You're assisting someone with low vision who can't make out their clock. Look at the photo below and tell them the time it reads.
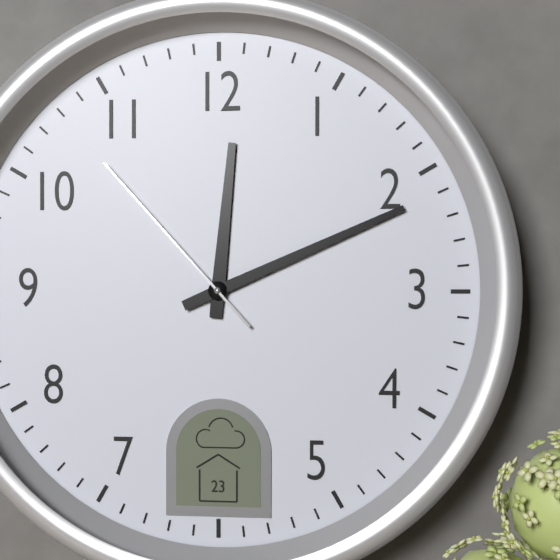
12:11:53
